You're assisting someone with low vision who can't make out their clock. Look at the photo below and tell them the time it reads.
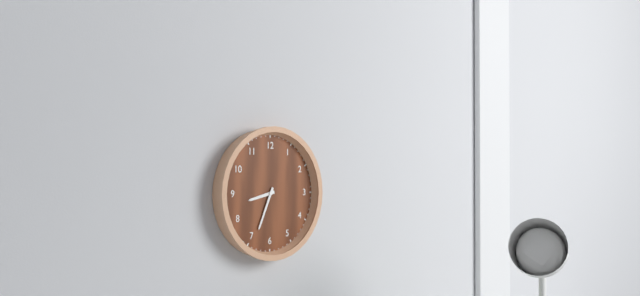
8:34
